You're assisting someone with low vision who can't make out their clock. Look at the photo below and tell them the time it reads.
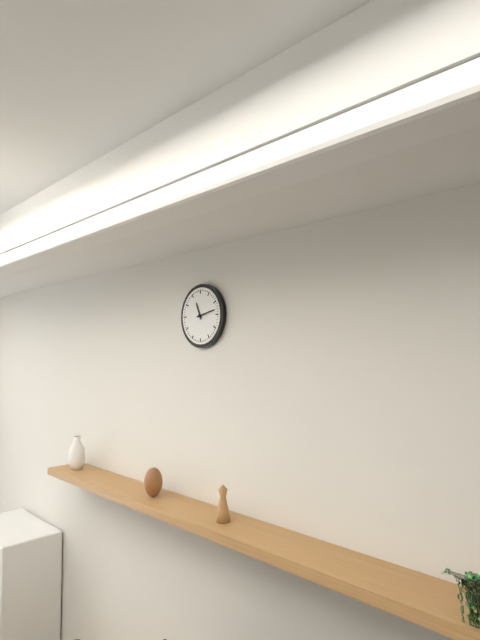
11:13
